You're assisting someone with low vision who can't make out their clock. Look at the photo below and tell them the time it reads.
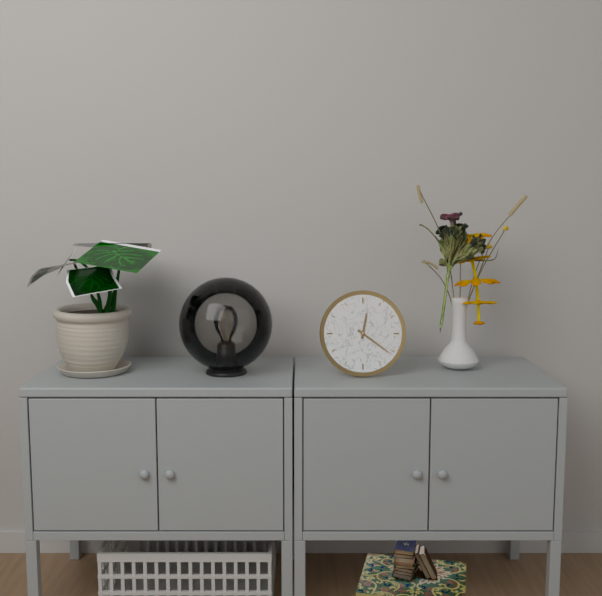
12:21
